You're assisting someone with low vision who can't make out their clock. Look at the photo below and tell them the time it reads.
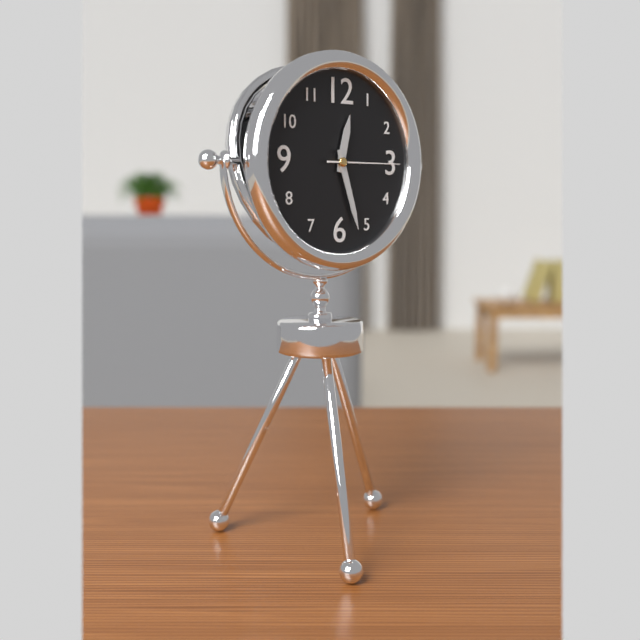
12:27:15
